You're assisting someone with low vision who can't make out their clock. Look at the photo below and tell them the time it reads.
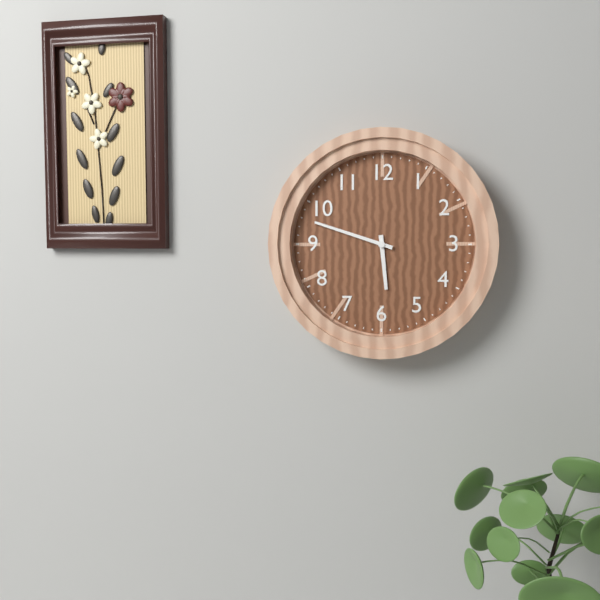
5:48
